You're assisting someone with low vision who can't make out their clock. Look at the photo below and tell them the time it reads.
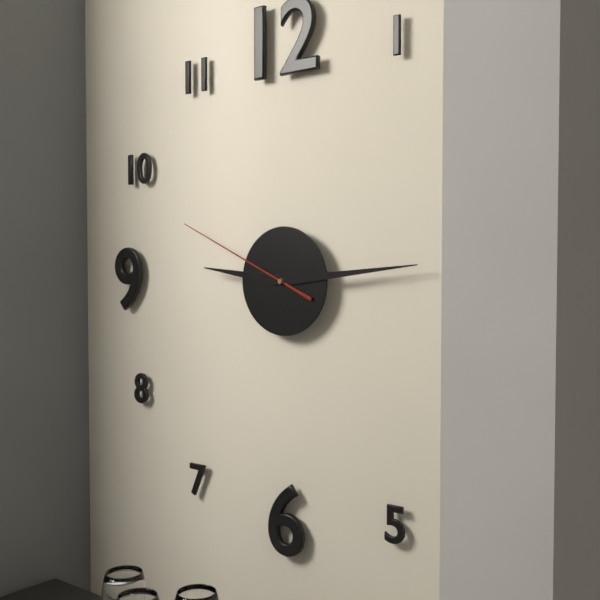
9:14:49
